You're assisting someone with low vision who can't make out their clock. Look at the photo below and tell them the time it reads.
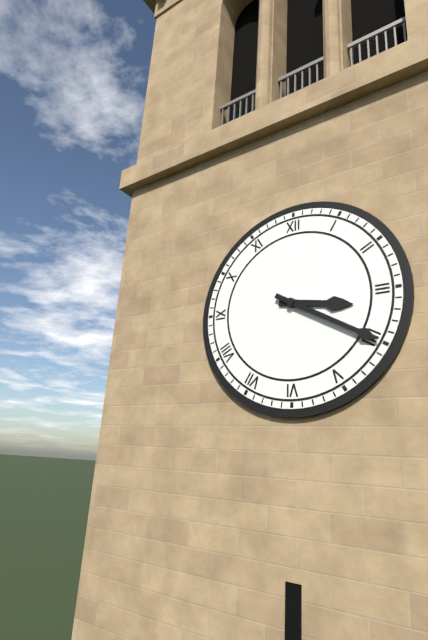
3:20
